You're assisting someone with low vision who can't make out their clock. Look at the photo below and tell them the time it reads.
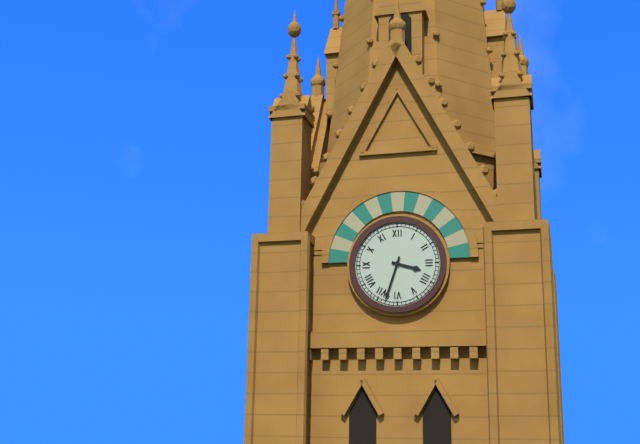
3:33
